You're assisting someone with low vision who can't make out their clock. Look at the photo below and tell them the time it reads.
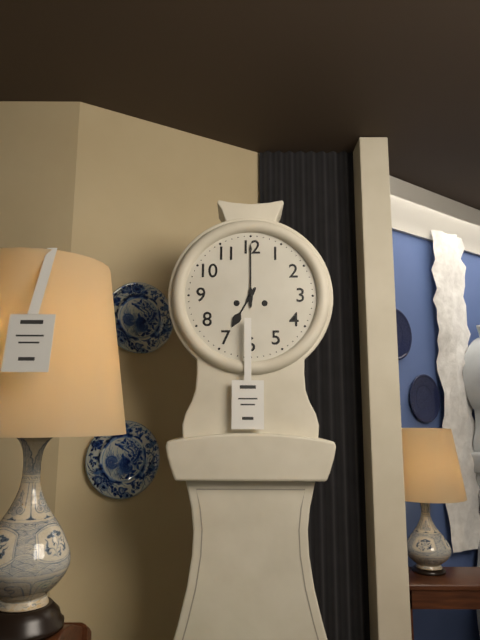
7:00
